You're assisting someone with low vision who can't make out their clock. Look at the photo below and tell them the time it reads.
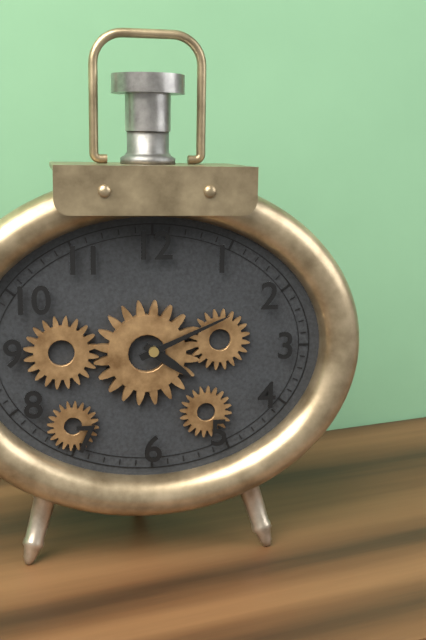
4:11
